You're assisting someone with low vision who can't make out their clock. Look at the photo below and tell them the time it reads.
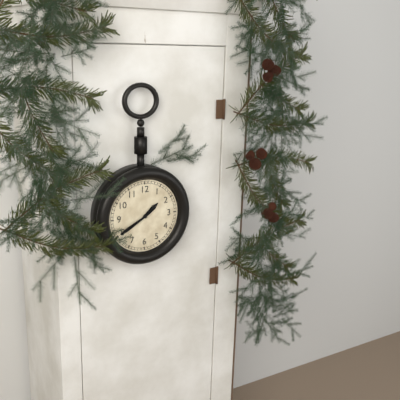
1:40
